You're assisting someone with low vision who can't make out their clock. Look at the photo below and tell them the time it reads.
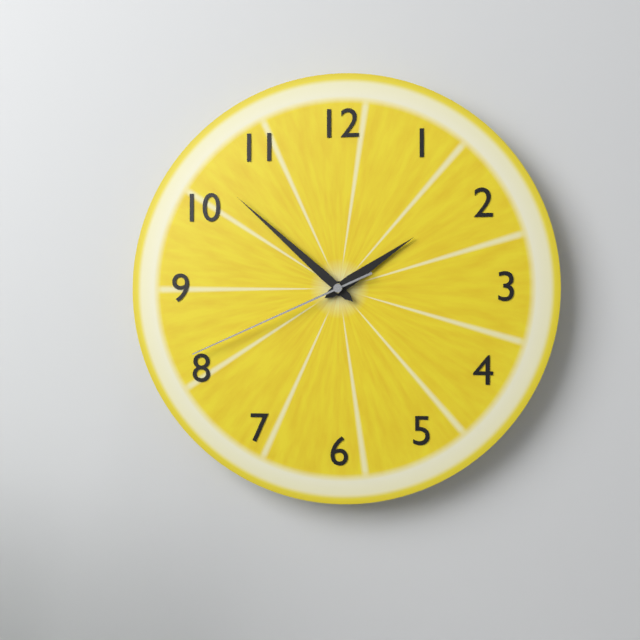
1:52:41
